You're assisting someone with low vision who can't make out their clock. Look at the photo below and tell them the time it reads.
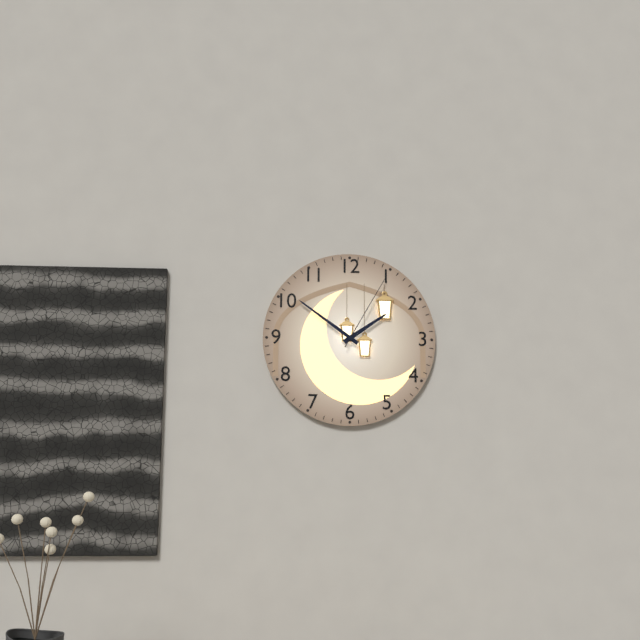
1:51:05
